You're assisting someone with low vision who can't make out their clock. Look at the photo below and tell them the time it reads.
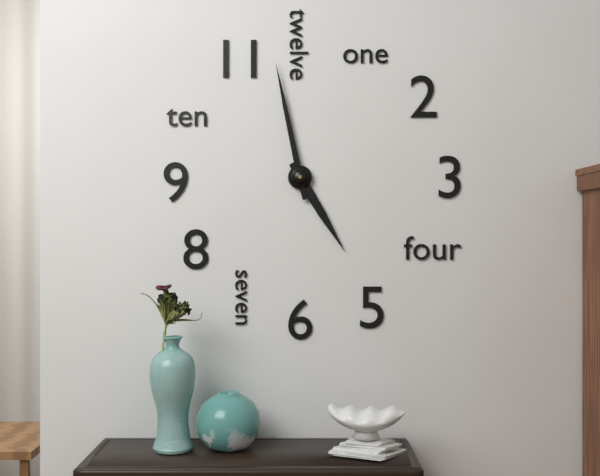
4:58
